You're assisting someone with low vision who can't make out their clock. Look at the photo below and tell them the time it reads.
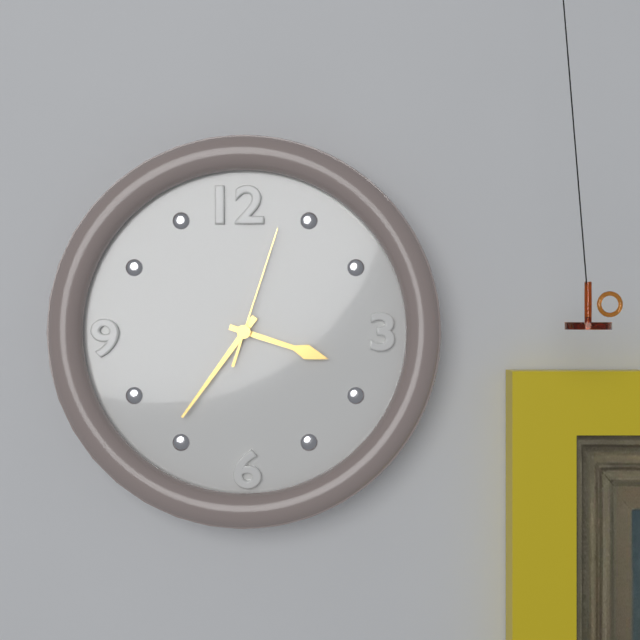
3:36:03
